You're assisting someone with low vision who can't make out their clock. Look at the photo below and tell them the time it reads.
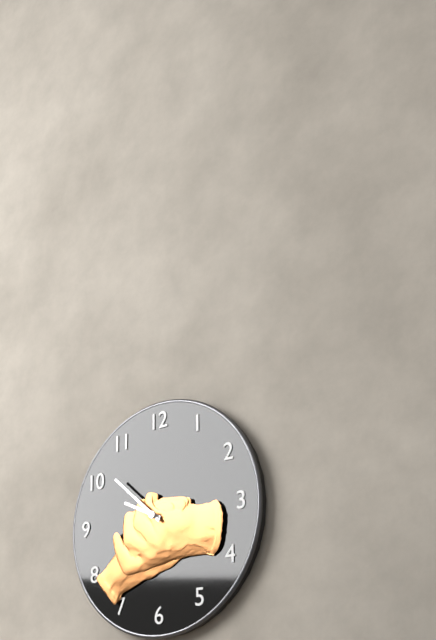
9:52
